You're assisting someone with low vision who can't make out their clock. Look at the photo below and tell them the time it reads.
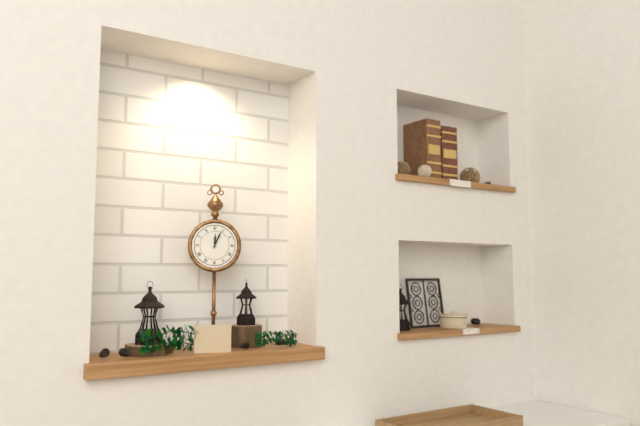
12:04
